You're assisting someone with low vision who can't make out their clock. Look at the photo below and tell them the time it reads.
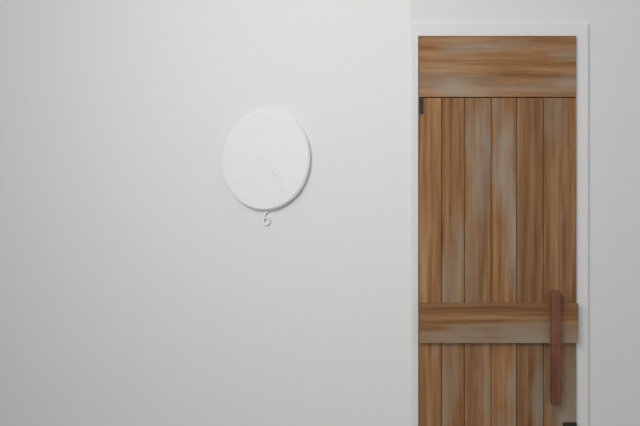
4:24
